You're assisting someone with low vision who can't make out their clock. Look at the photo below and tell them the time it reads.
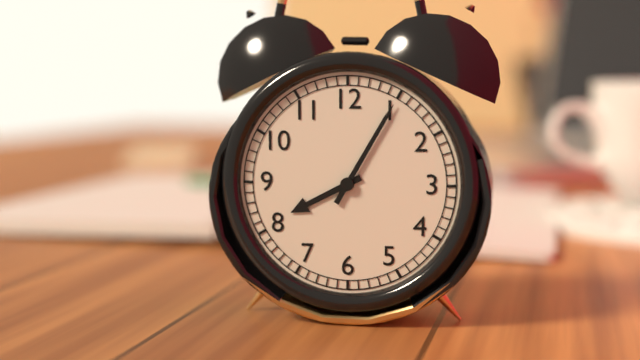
8:05
